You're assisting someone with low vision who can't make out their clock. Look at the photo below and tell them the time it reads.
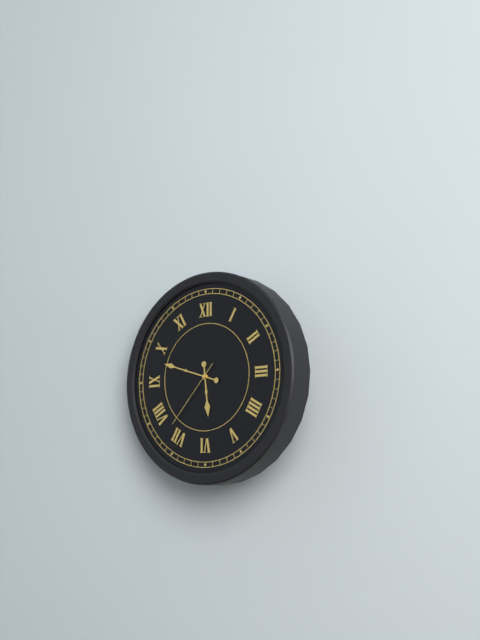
5:48:37
